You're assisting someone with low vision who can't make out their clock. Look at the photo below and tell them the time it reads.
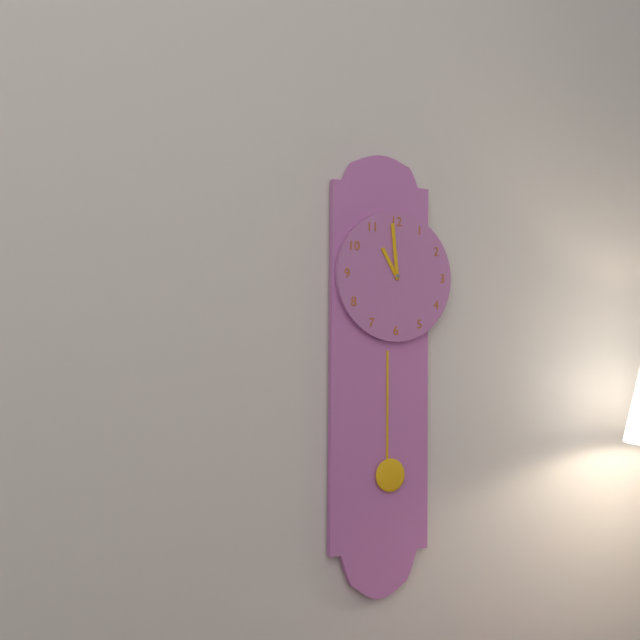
10:59
